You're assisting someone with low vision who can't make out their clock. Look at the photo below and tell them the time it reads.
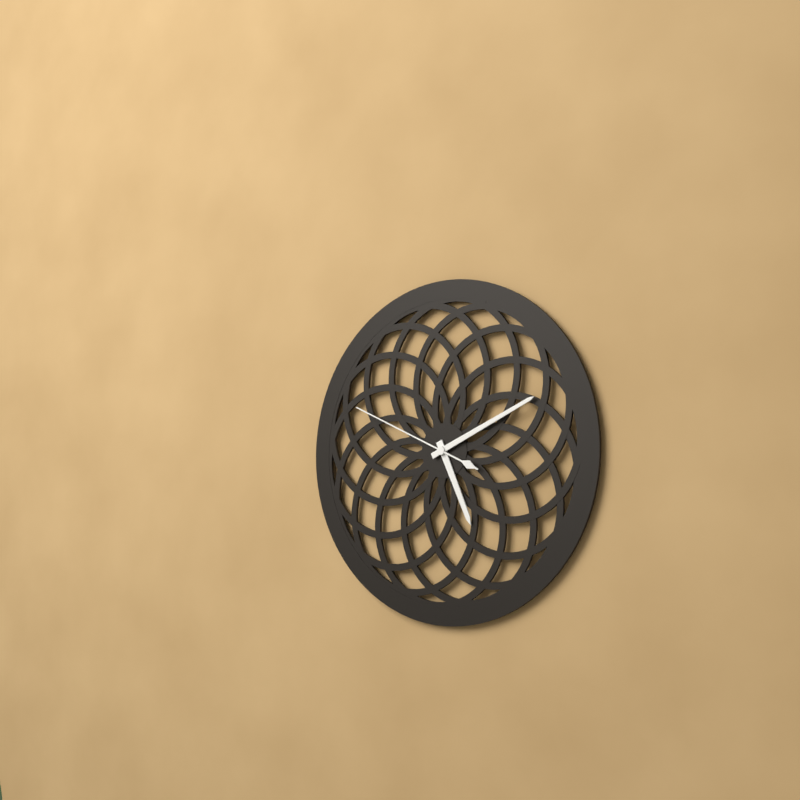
5:11:49
